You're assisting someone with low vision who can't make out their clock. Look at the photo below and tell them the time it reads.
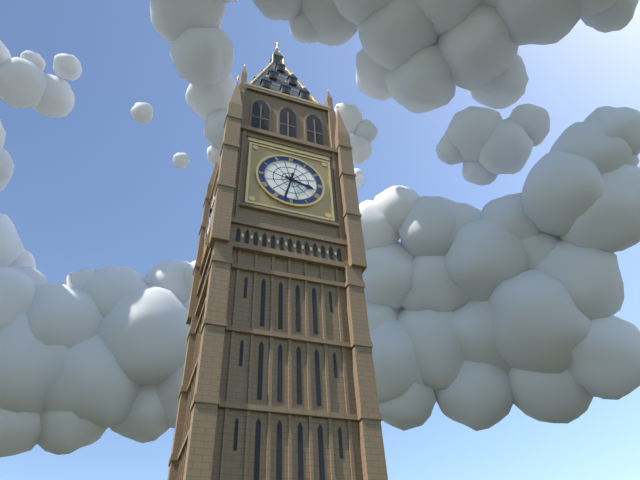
3:32
